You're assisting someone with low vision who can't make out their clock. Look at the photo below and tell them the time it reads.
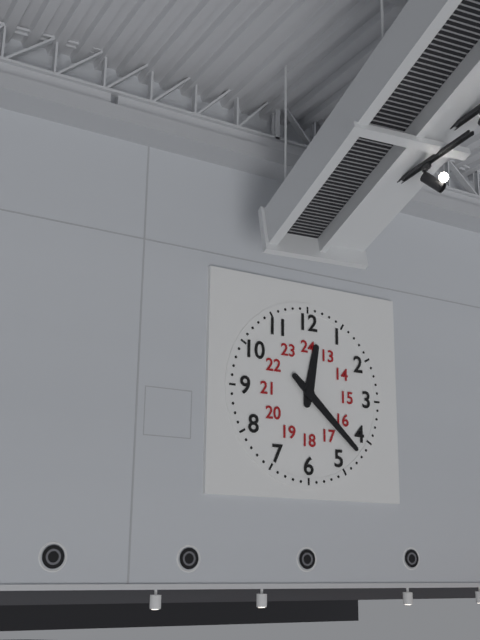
12:22
